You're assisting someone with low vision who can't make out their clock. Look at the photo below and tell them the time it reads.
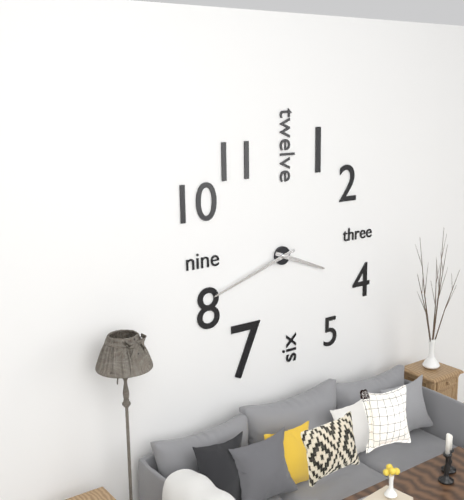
3:42
